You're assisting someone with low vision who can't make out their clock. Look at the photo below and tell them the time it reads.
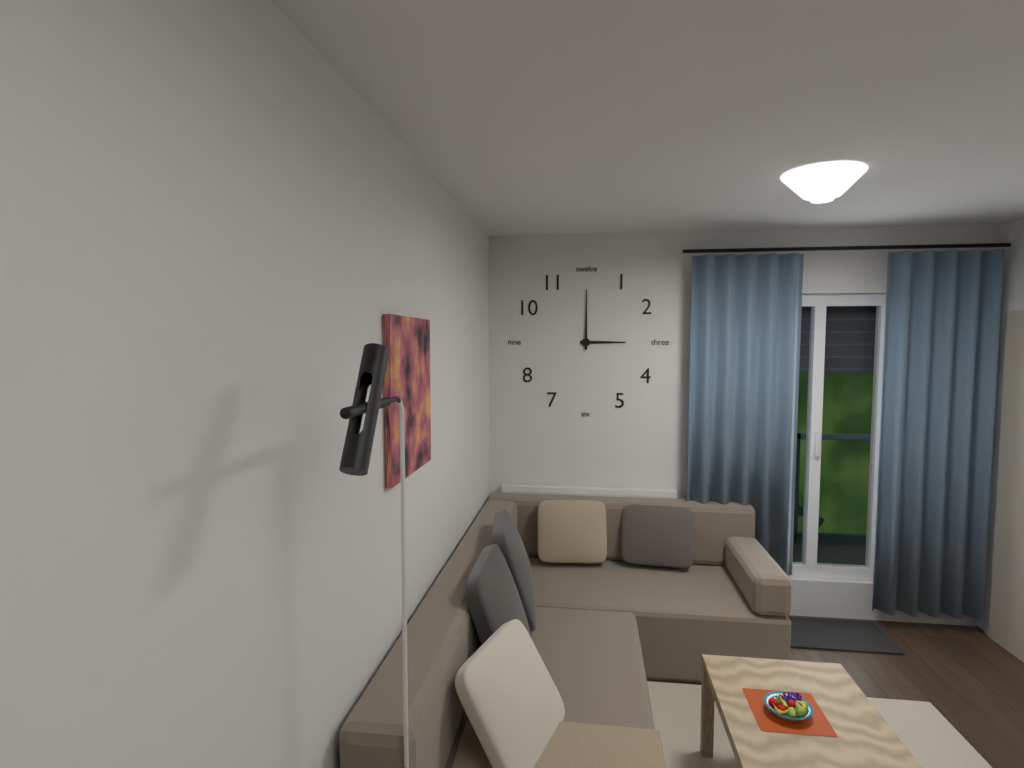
3:00
